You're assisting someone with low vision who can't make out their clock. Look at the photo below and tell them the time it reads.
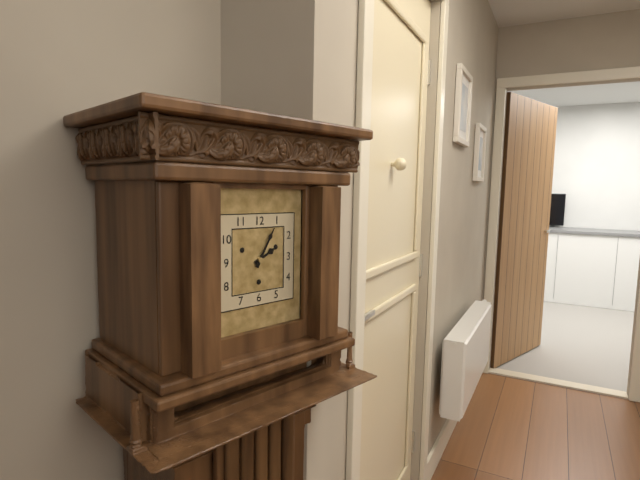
2:05
